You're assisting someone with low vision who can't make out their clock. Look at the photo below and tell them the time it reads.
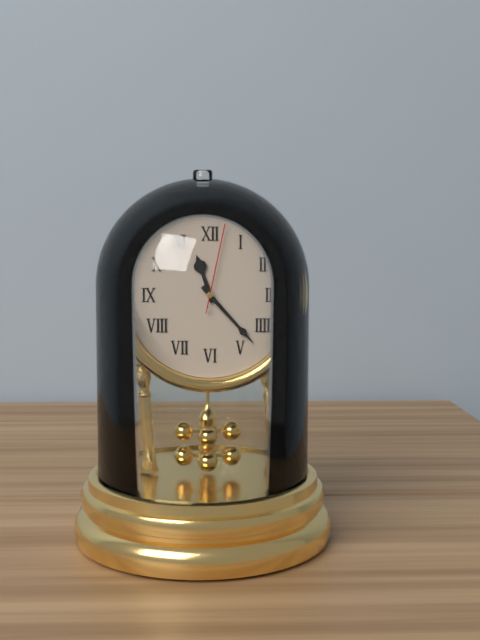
11:23:02
